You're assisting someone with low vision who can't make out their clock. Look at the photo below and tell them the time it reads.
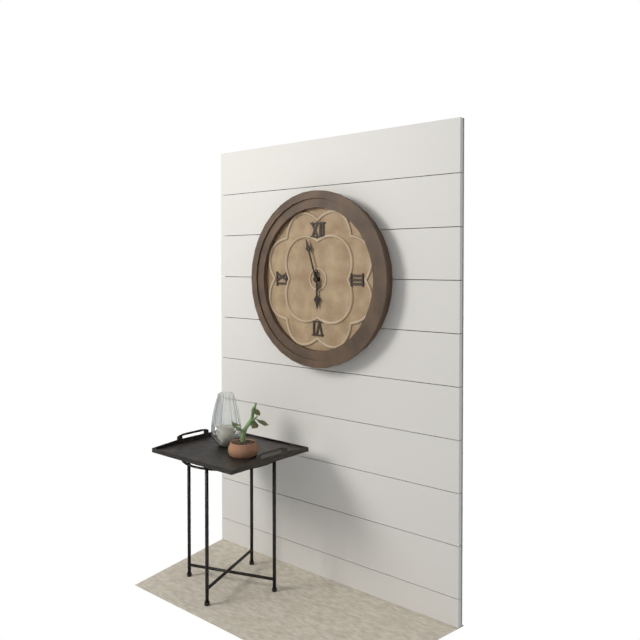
5:57
